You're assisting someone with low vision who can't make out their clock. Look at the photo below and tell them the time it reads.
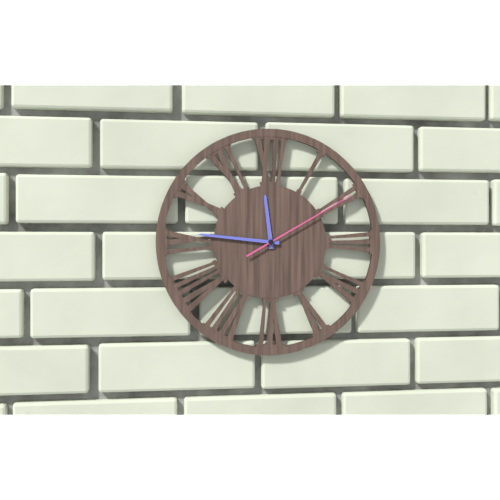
11:46:10
